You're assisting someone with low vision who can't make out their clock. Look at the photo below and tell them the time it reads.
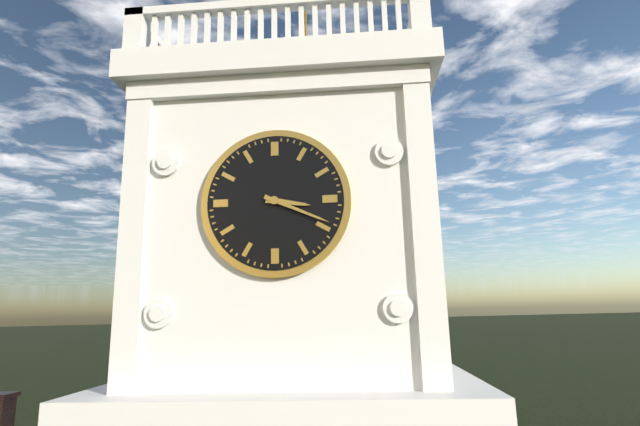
3:19
